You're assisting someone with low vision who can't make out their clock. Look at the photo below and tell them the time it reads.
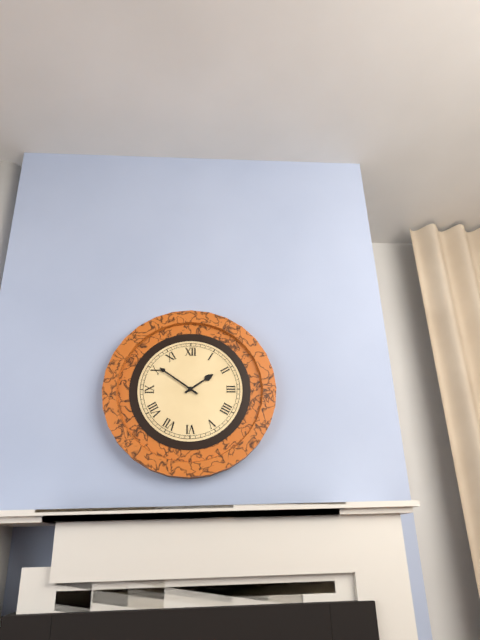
1:51
